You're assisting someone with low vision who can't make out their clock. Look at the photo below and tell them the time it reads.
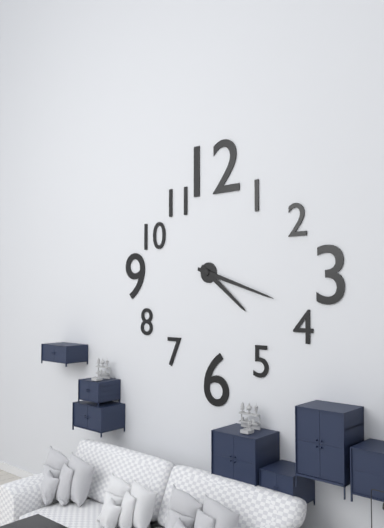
4:18
